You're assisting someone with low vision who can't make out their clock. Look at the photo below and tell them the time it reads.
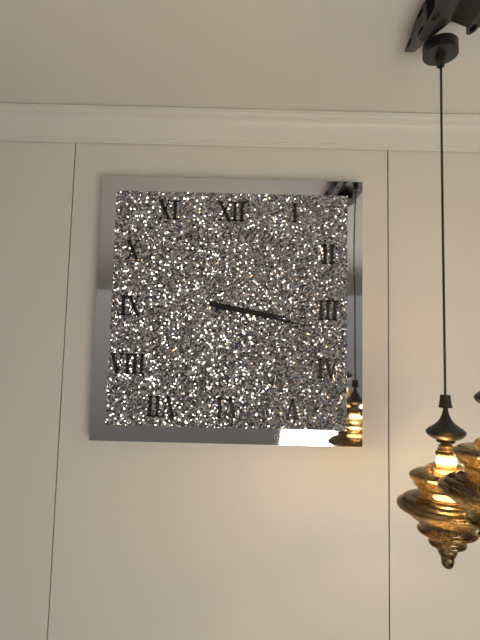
3:17
